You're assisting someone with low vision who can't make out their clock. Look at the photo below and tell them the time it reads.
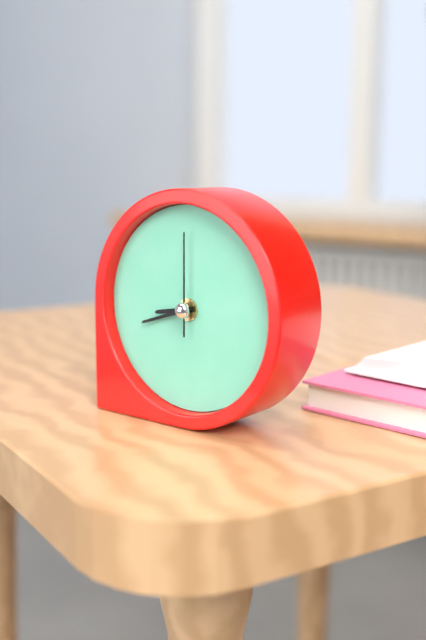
8:42:00
